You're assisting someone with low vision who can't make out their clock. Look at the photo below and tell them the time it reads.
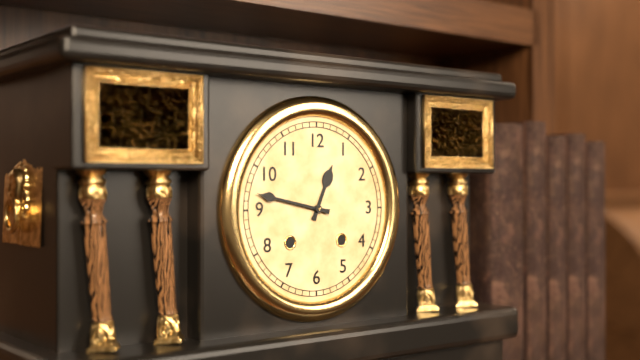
12:47
